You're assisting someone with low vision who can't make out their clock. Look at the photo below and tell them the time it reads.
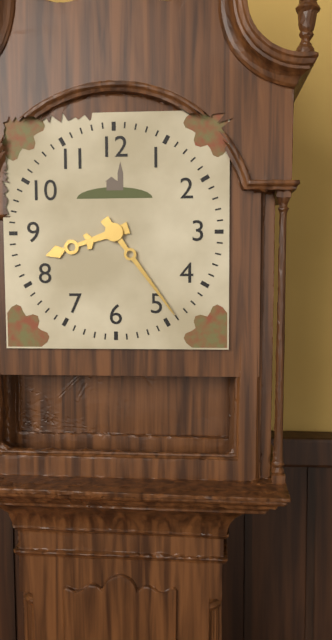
8:24
